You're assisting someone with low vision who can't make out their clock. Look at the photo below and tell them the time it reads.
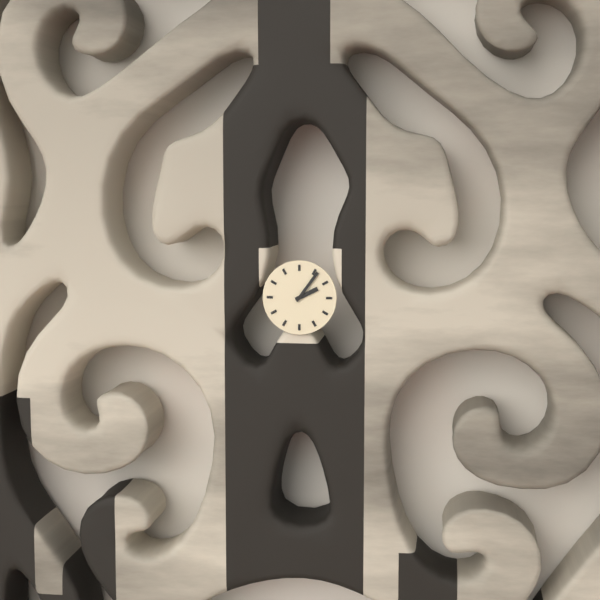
2:06
